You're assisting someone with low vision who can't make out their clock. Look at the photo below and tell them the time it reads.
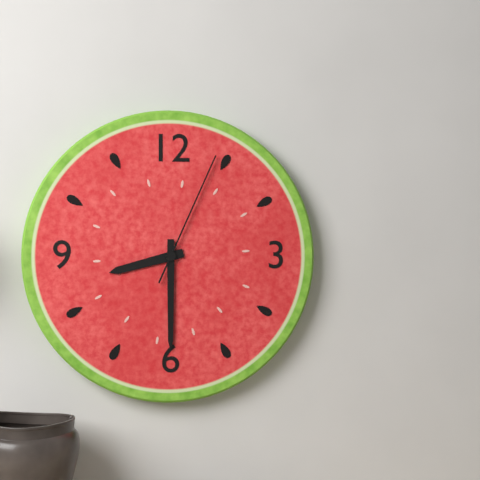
8:30:04
